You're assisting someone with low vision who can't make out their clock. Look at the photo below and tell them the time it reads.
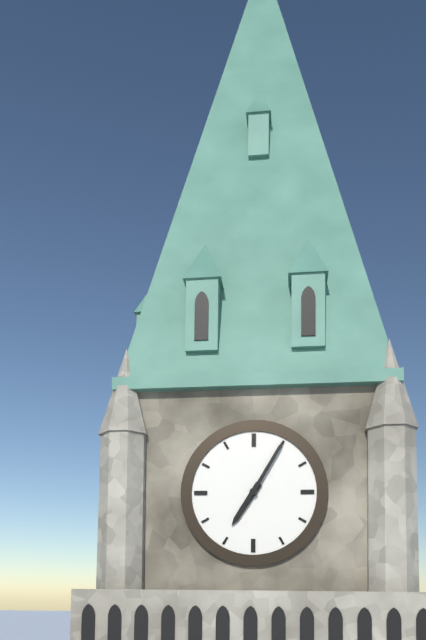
7:05
